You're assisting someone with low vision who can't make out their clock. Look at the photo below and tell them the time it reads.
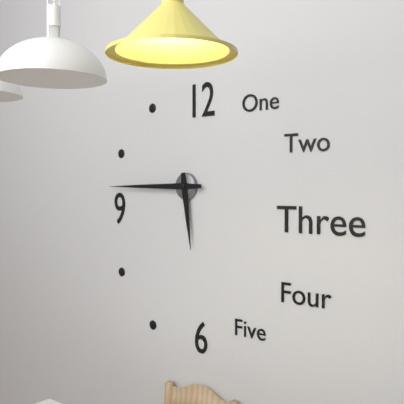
5:45
